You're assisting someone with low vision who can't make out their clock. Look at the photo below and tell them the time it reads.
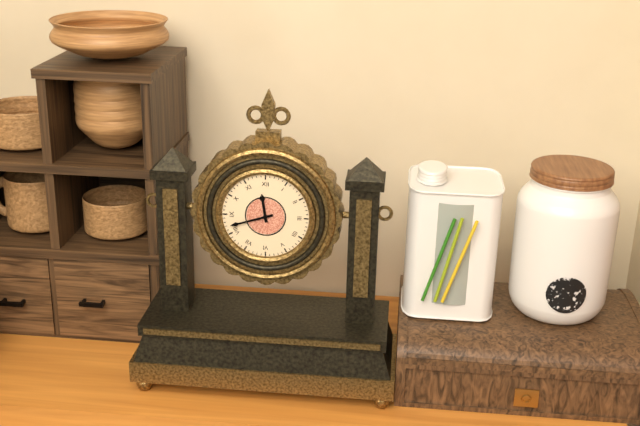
11:42
